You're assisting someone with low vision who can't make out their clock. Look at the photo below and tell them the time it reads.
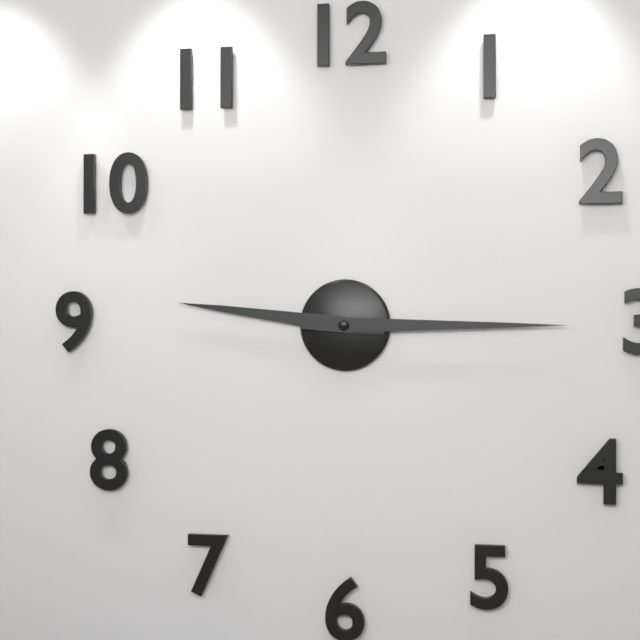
9:15
